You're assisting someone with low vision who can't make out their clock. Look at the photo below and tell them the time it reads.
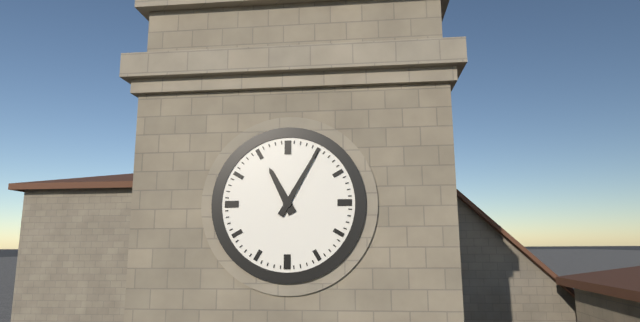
11:05
